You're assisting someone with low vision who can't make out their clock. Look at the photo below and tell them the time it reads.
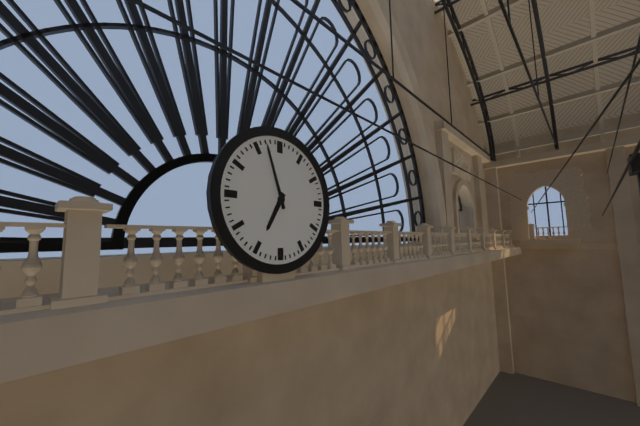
6:57
